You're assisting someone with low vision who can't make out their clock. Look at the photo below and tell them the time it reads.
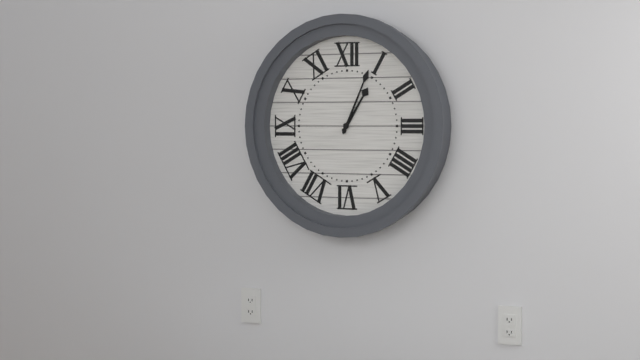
1:04
